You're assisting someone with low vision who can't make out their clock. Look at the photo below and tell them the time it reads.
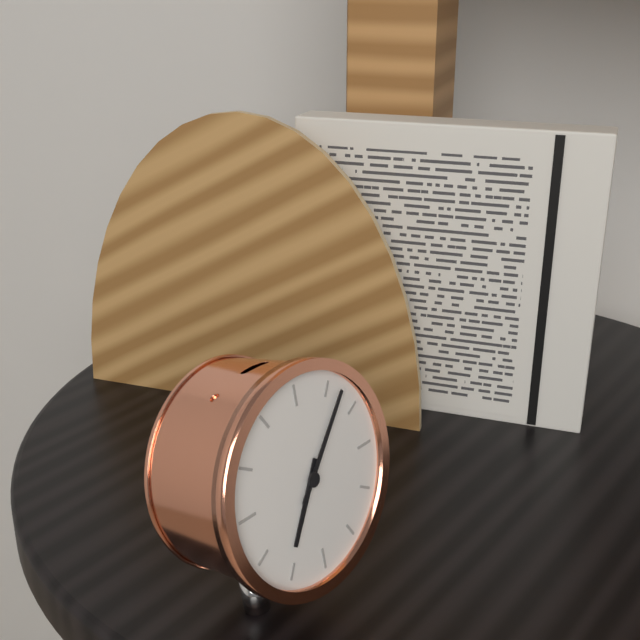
7:07
